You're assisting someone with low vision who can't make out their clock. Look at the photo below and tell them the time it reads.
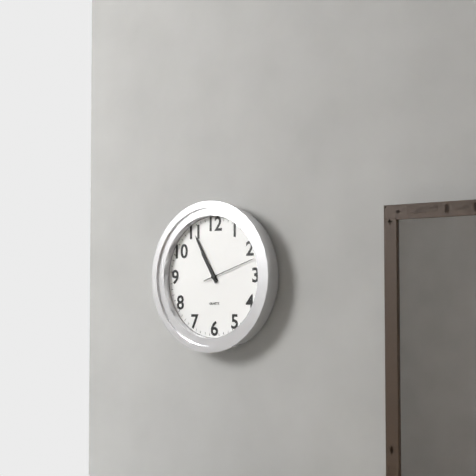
10:55:12
